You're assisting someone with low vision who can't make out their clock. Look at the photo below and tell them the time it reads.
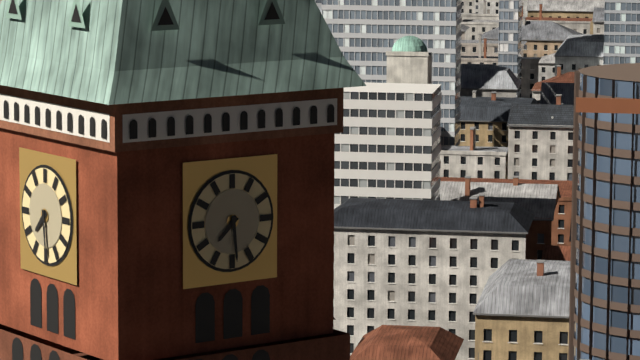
7:29
